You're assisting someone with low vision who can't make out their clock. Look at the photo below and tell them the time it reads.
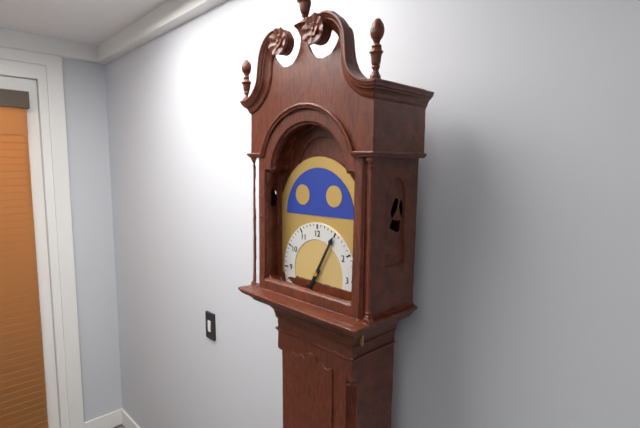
7:05
